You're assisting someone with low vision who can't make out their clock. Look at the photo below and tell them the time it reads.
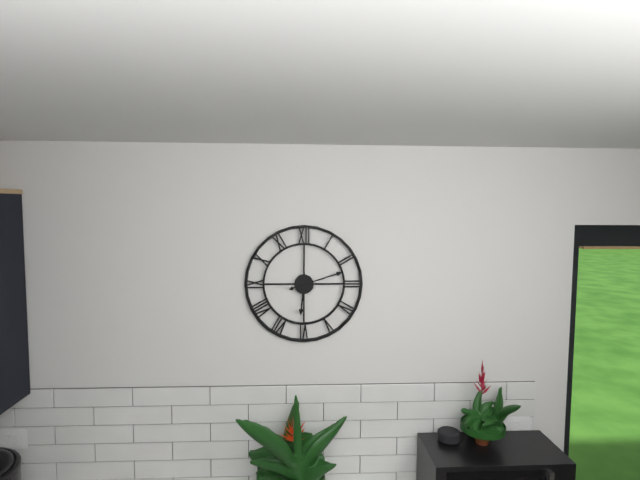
6:12
